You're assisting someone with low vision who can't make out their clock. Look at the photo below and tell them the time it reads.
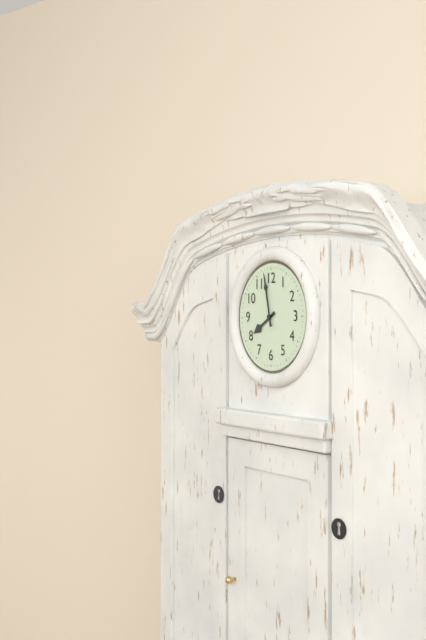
7:58
